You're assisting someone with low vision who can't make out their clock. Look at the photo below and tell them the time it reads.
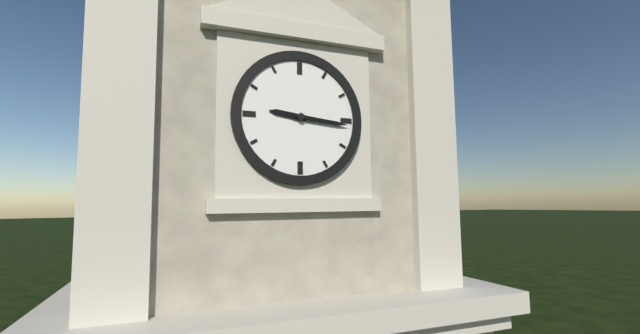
9:16
